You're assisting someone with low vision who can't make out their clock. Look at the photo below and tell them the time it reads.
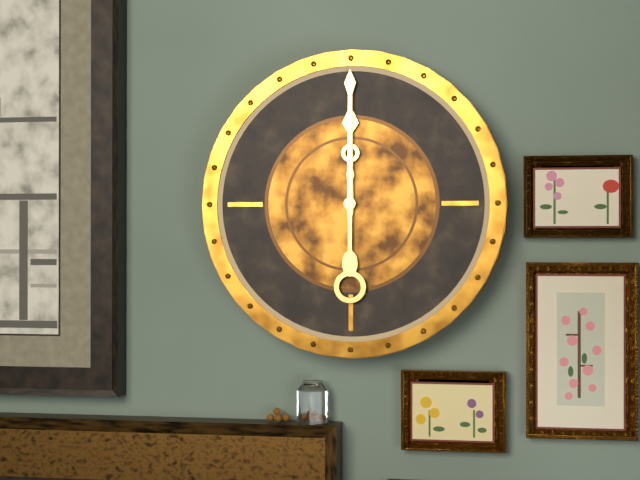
12:00
